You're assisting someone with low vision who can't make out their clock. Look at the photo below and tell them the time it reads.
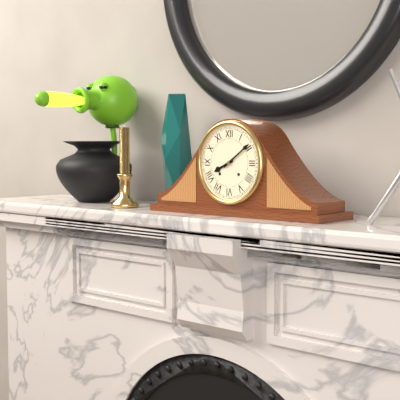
8:09
